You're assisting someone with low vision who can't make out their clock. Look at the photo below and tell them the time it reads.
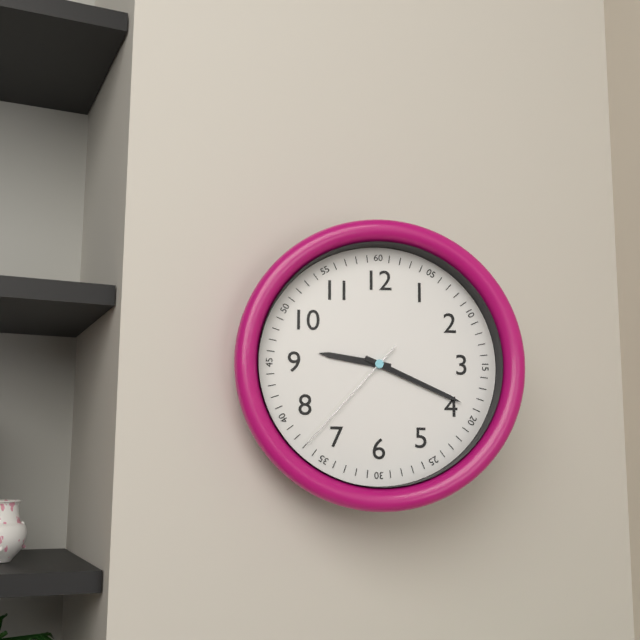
9:19:37
